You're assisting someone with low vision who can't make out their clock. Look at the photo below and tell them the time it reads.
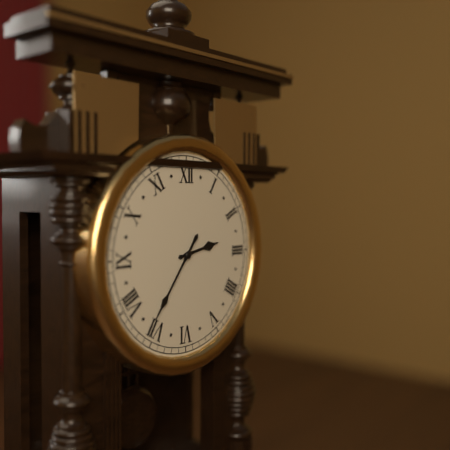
2:36
